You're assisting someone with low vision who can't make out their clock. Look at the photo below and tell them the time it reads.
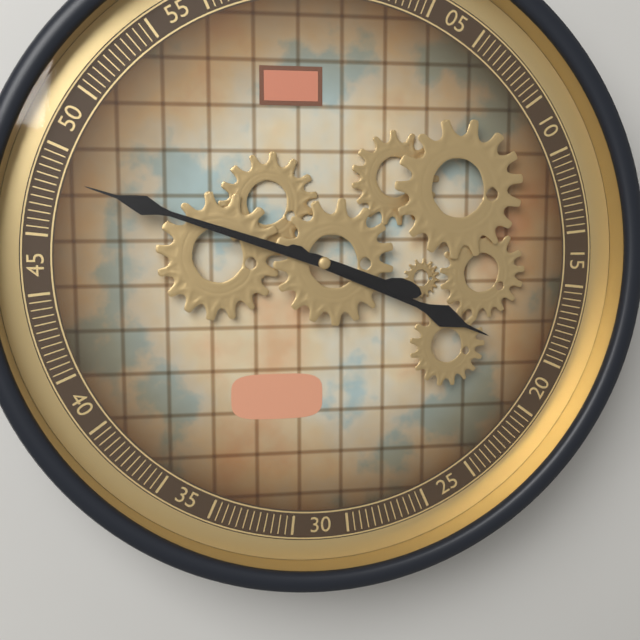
3:48
